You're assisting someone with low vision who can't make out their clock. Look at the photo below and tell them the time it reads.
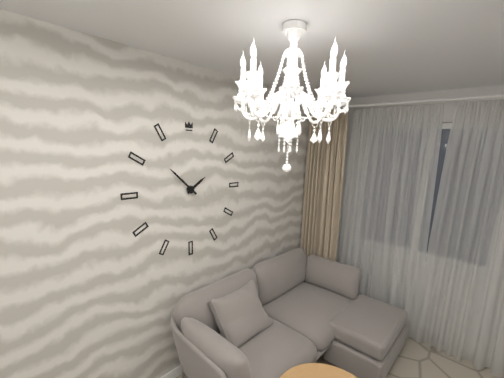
1:52
